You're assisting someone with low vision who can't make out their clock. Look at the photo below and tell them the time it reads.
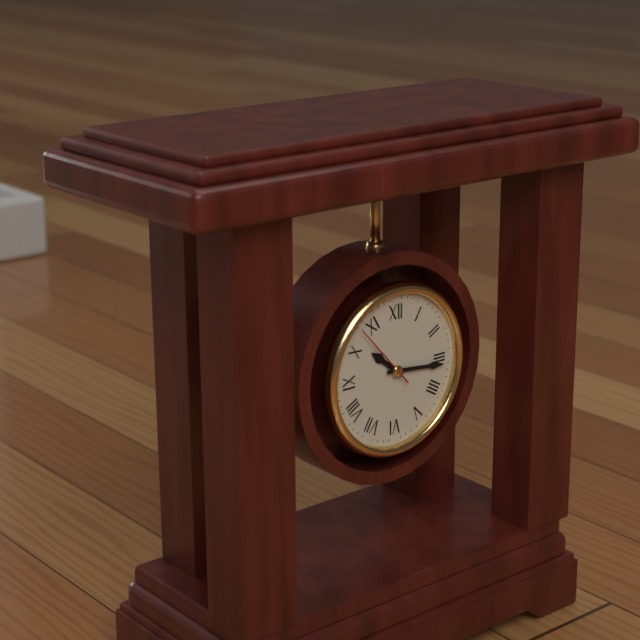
10:16
